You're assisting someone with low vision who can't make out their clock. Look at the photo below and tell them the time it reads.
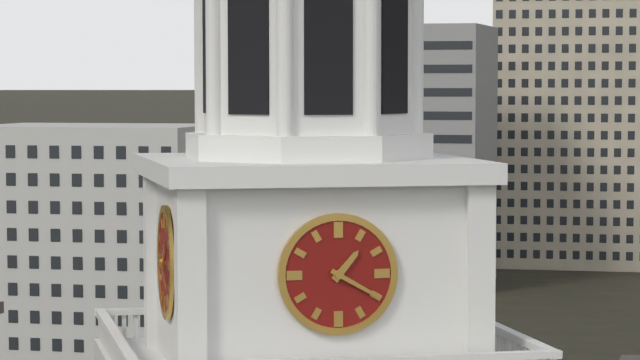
1:20
